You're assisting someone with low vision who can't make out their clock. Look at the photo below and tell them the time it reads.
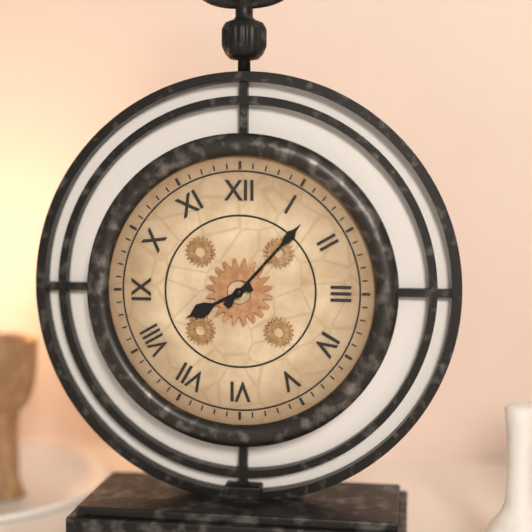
8:07
